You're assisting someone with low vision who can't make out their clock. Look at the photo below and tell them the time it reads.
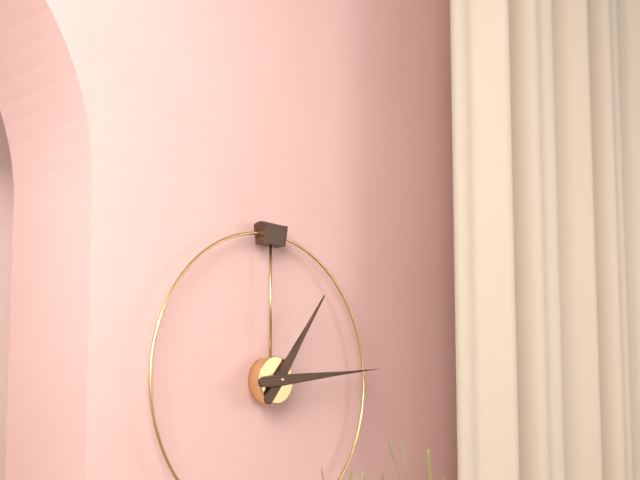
1:14
